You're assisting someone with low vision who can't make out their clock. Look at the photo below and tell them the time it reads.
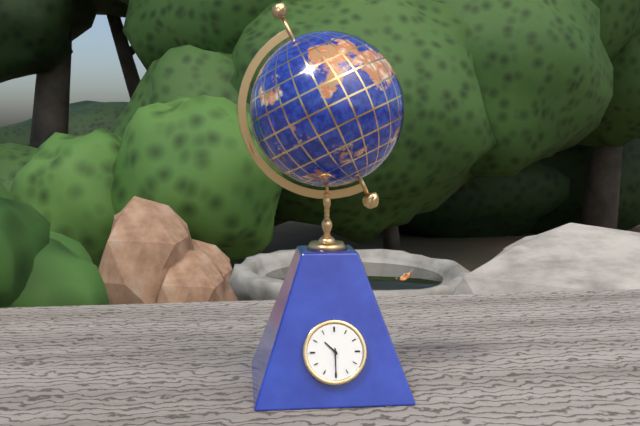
10:30
